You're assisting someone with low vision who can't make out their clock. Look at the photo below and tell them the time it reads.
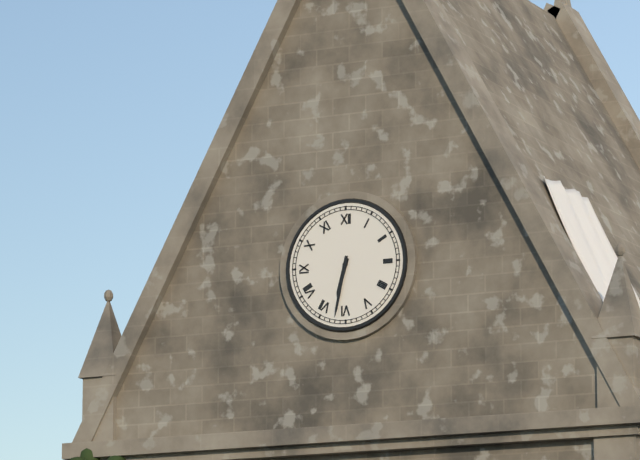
6:32
